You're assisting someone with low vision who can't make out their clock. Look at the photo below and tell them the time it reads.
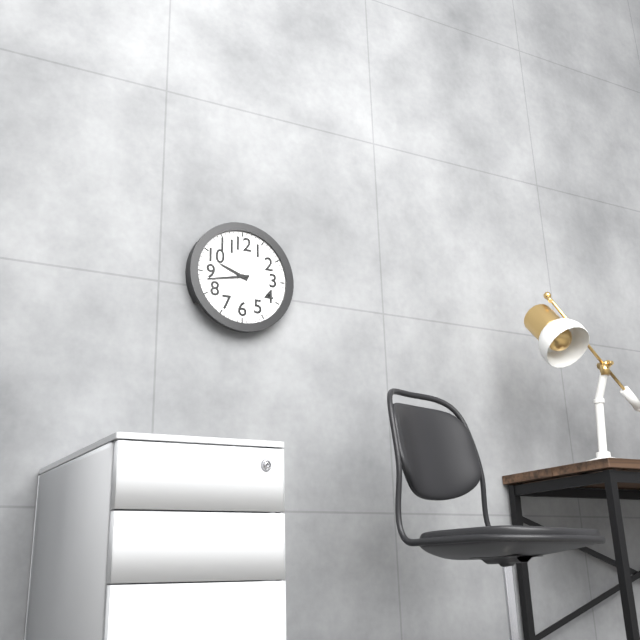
9:43
